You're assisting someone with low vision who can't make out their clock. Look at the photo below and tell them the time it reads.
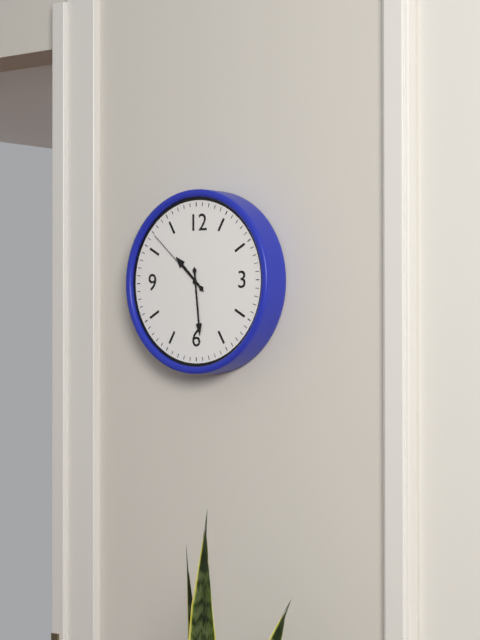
10:29:52
